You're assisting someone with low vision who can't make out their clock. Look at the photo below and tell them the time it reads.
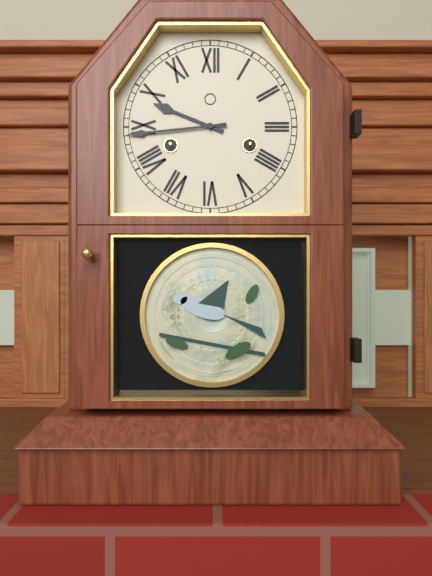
9:44
